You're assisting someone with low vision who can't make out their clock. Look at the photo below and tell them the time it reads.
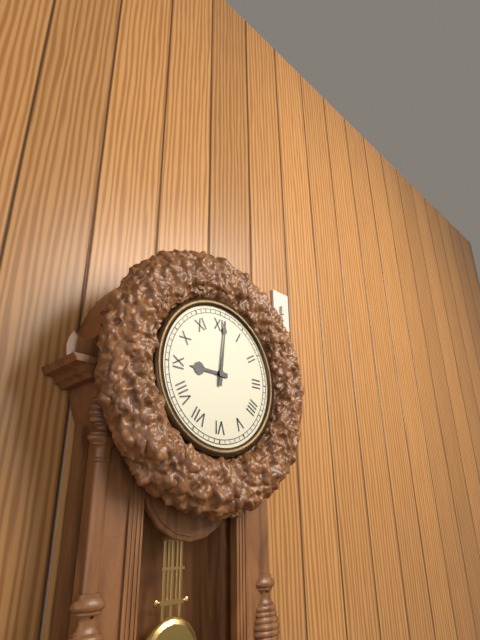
9:01
